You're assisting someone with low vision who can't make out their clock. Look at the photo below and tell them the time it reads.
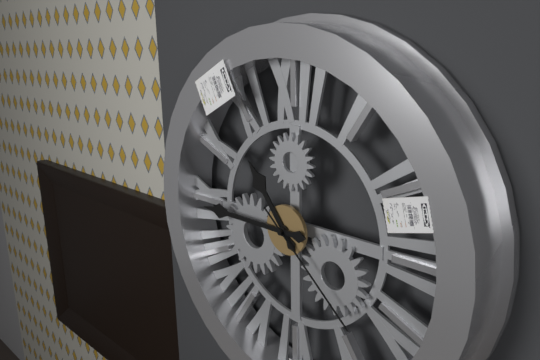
10:45:22
